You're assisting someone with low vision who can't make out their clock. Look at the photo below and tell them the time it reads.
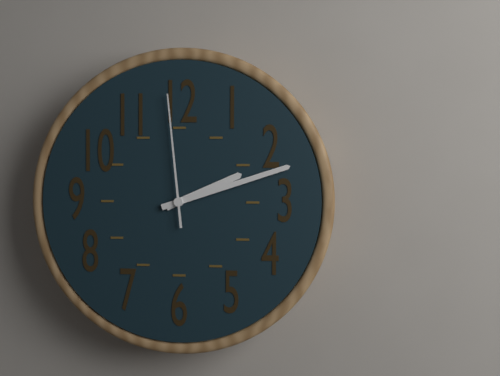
2:12:59
